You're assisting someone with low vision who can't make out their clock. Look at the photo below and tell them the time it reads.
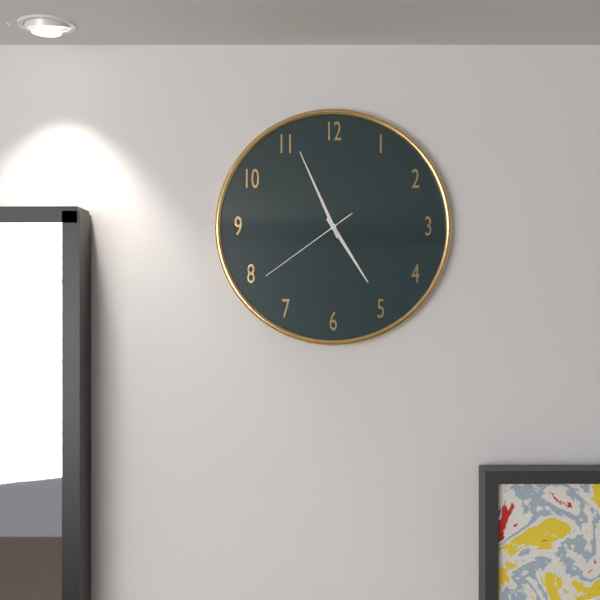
4:56:39
